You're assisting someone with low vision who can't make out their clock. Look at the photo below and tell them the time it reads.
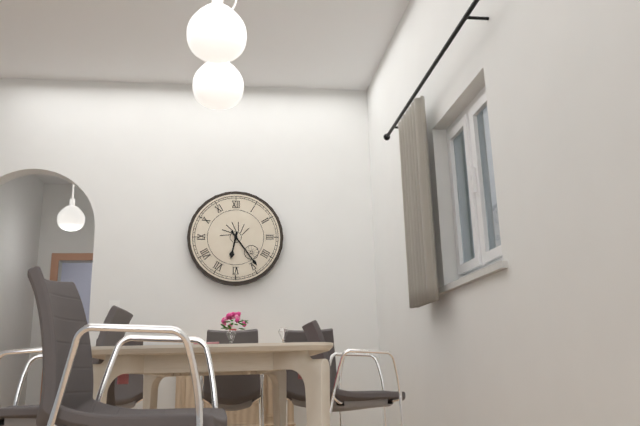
6:24
